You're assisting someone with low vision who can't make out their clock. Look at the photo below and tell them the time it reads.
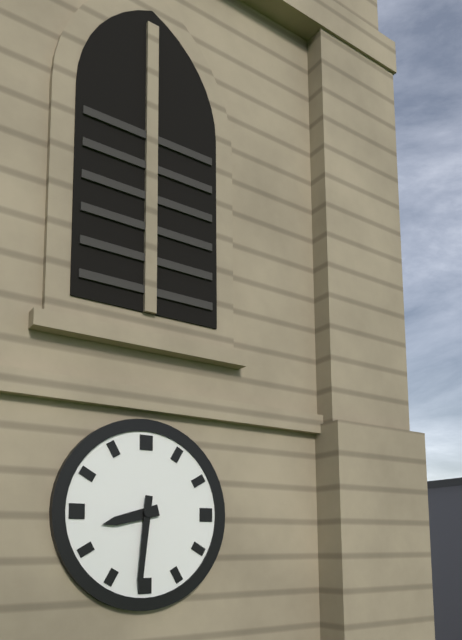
8:31
